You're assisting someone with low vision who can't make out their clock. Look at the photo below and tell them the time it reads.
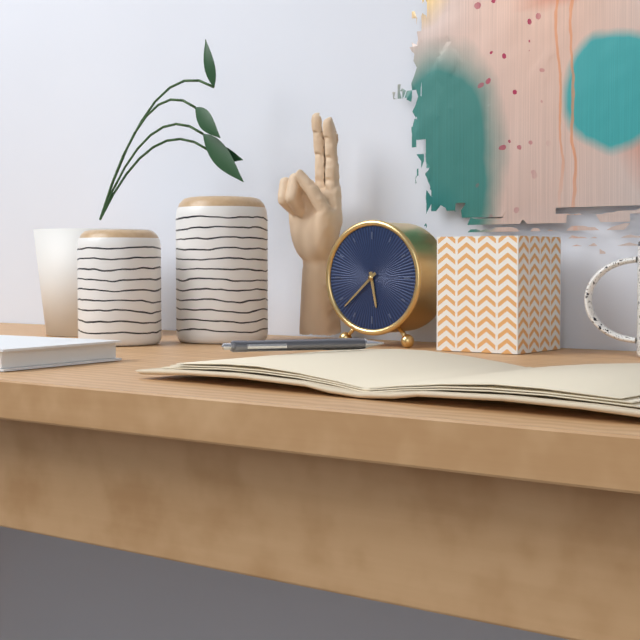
5:38
